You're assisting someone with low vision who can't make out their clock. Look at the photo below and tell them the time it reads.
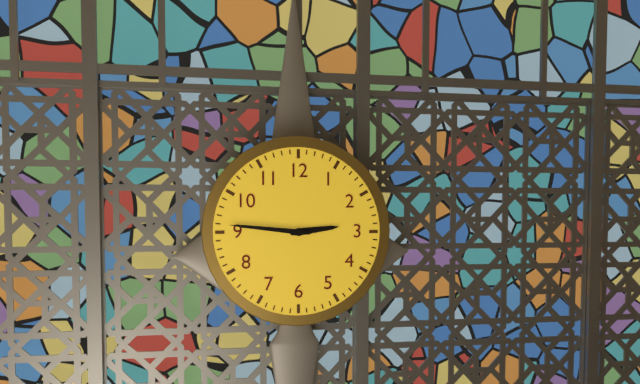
2:46
